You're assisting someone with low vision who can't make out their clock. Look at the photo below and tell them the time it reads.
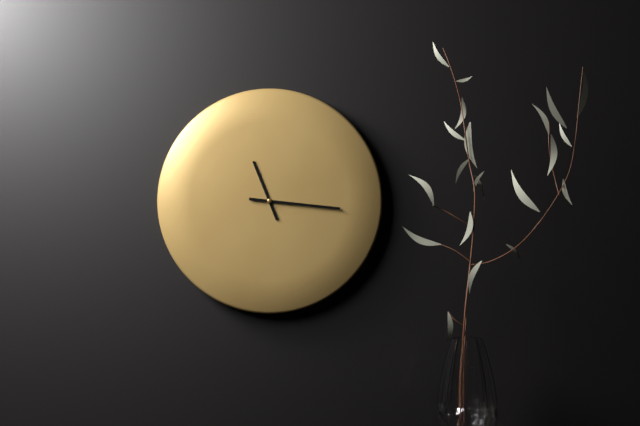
11:16
